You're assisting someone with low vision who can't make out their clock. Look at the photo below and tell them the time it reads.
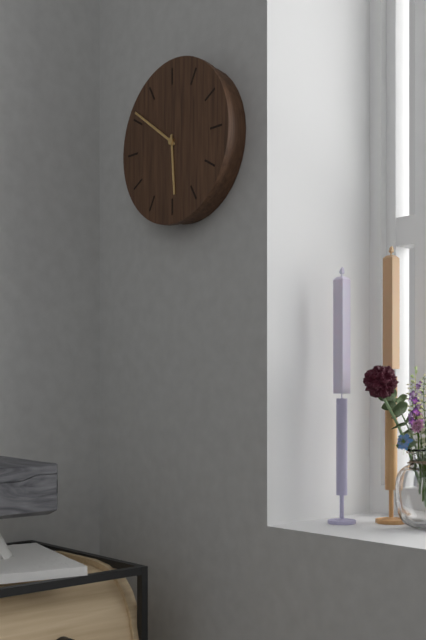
5:51
